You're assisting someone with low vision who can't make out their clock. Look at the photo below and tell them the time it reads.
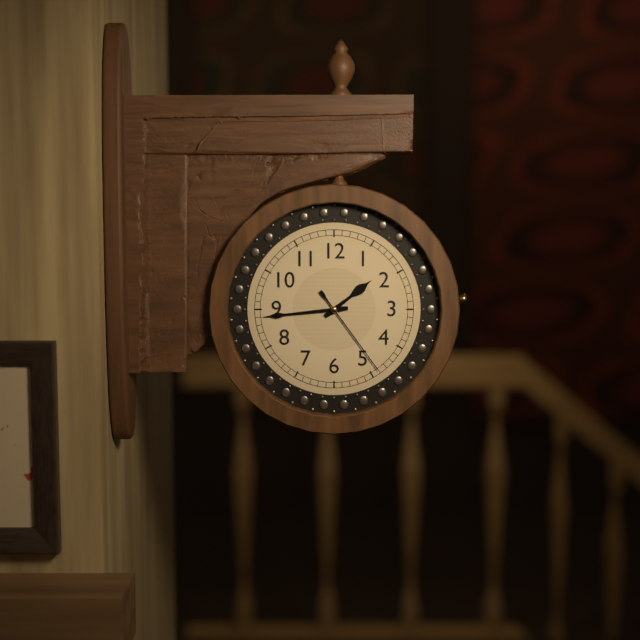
1:44:24
